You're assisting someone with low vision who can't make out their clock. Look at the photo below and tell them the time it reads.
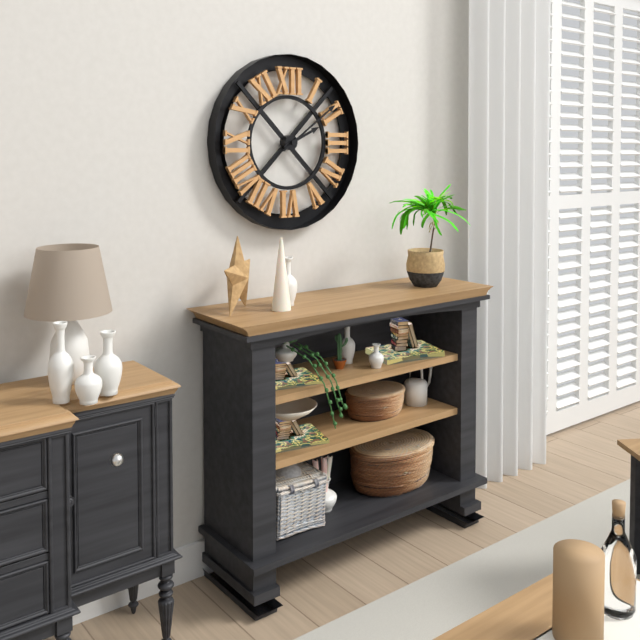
2:09
